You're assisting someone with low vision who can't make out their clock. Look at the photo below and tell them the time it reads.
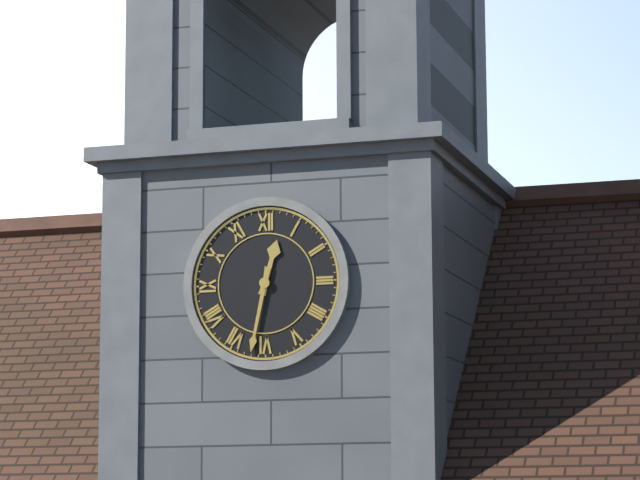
12:32
